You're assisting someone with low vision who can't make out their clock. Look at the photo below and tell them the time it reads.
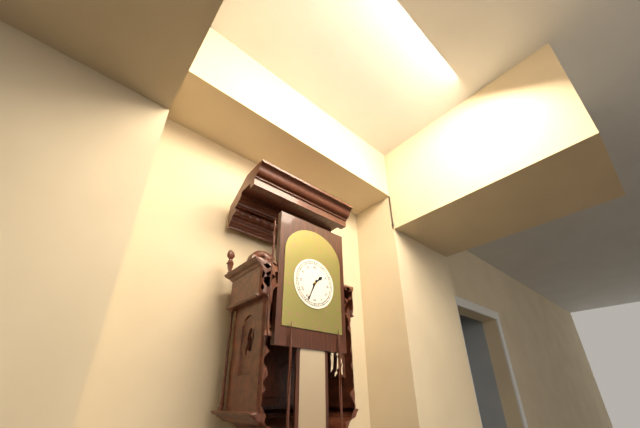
1:34
